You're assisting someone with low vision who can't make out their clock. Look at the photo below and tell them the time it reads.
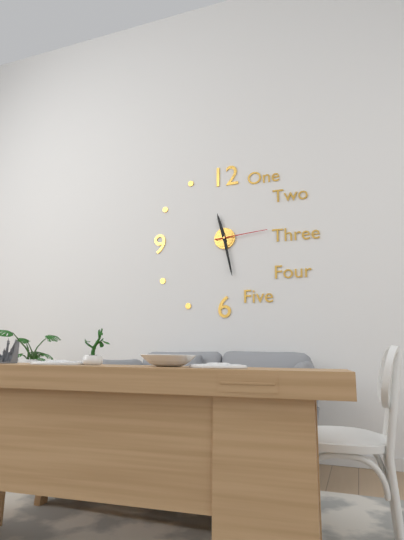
11:28:14
